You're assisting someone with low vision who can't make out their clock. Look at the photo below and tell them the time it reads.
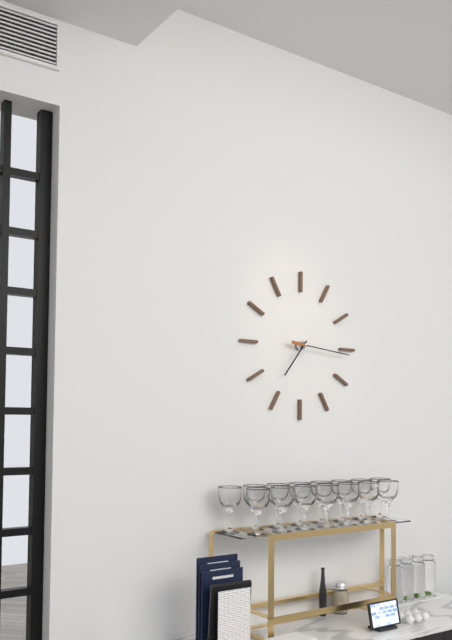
7:16
